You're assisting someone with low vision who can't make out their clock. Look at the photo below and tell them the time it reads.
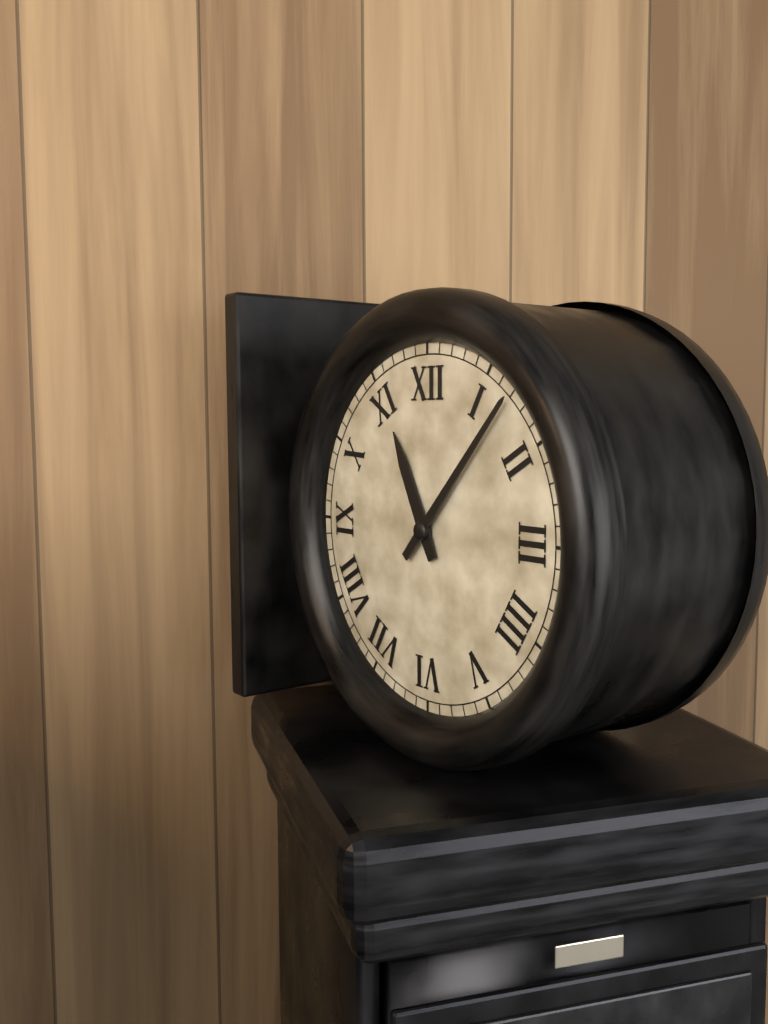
11:07
